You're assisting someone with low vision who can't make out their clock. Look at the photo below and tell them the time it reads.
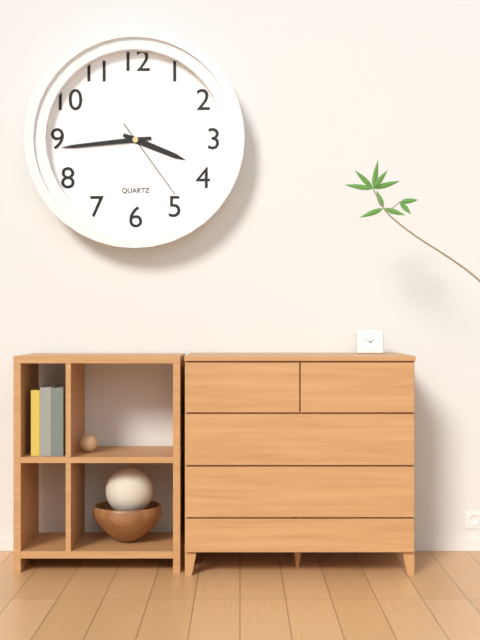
3:44:24
